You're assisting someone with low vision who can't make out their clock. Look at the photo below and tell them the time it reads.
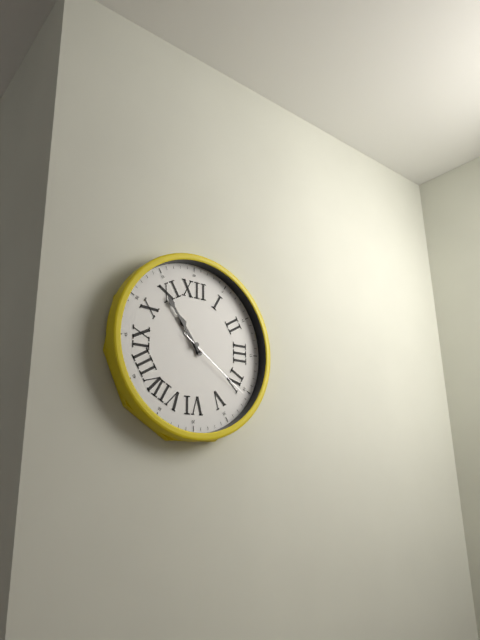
10:54:21
